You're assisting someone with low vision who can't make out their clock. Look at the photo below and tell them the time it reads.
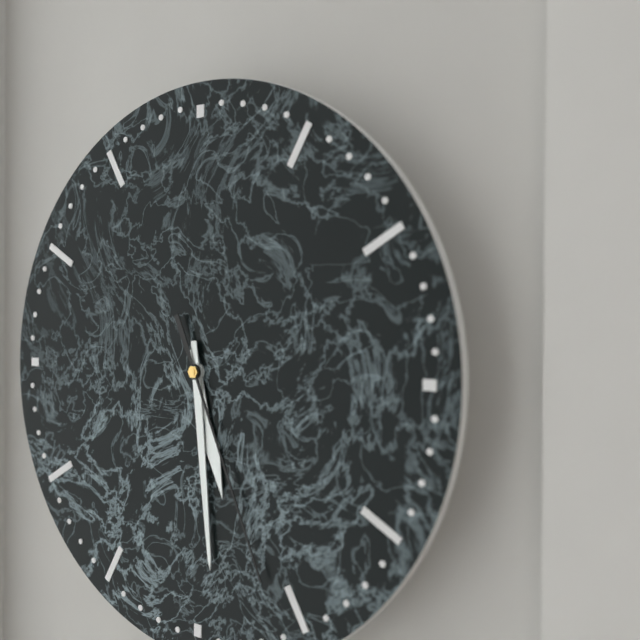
5:29:26
